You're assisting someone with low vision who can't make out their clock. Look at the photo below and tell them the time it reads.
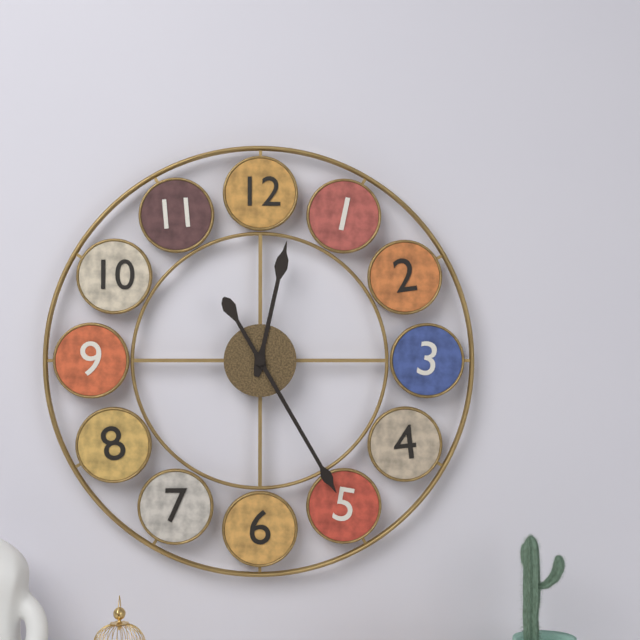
12:25
